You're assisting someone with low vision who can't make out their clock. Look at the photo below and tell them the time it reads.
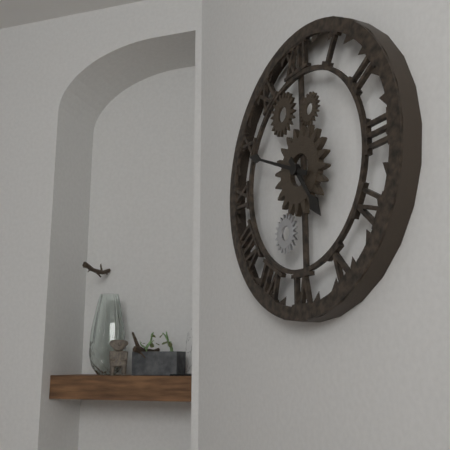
4:49
